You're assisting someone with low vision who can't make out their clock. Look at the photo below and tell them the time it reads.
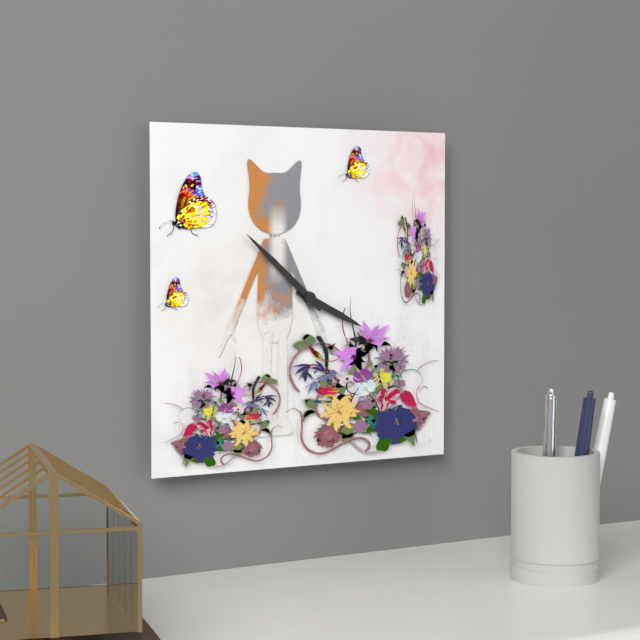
3:52
